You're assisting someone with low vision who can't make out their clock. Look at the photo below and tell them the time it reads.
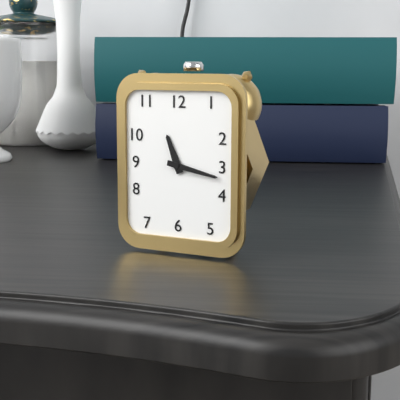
11:17
